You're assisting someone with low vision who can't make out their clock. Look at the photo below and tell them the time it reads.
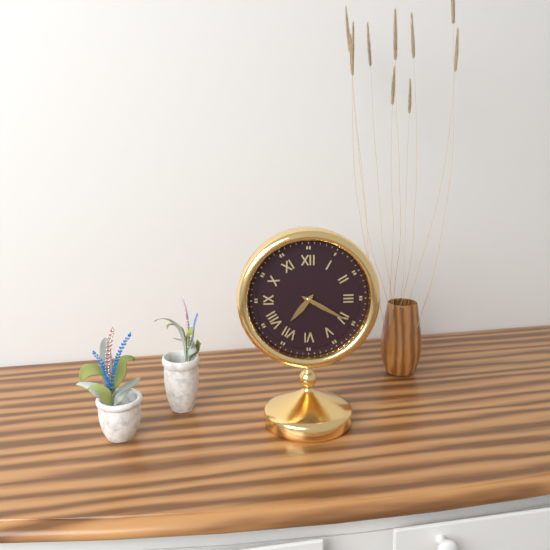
7:20
